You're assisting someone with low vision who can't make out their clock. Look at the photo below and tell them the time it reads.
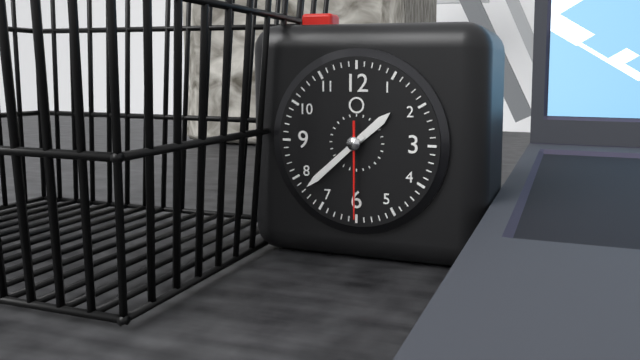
1:38:30
